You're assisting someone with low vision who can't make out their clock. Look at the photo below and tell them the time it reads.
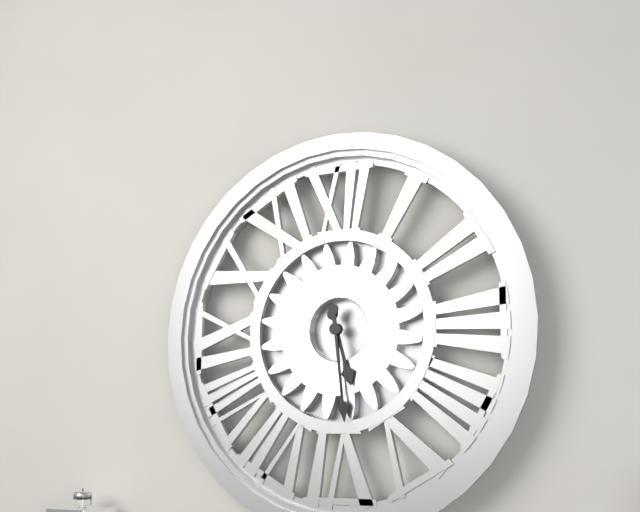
5:29
